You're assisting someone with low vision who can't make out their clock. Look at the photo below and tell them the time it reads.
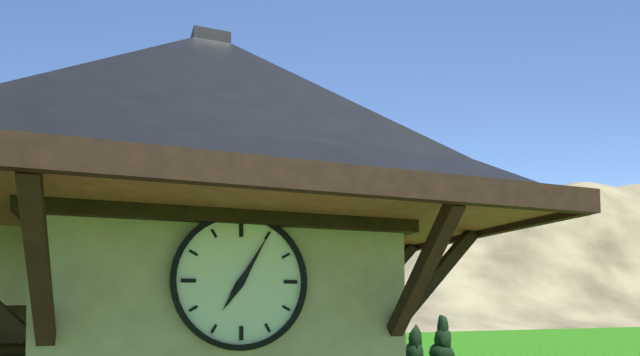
7:05
